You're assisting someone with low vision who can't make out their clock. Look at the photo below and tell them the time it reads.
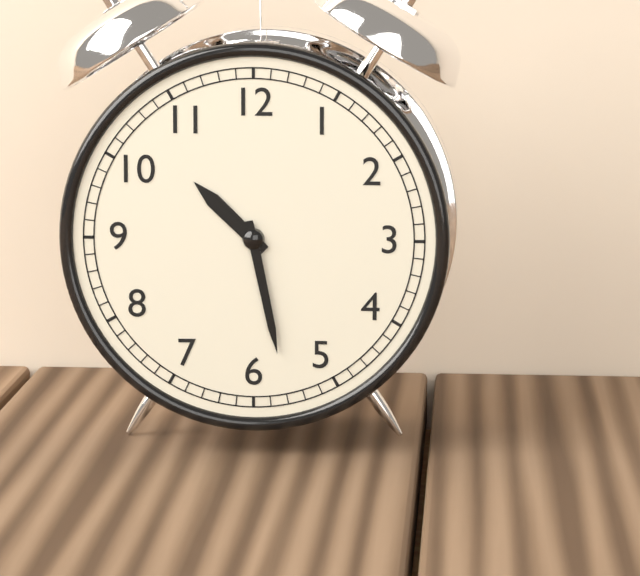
10:28
